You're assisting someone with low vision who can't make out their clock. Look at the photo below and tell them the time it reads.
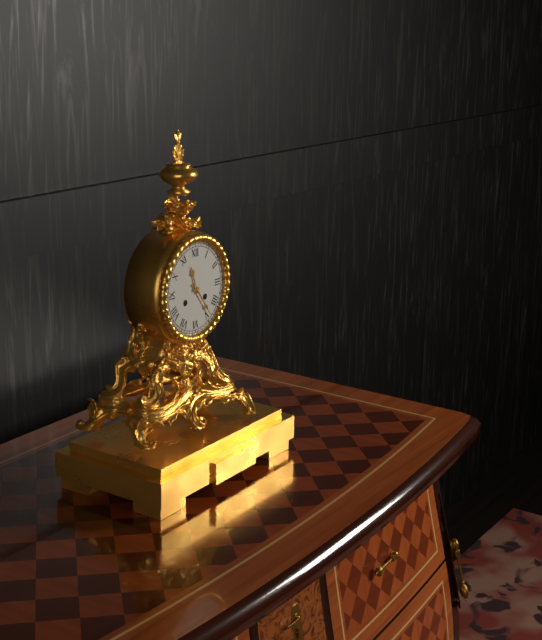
11:24
